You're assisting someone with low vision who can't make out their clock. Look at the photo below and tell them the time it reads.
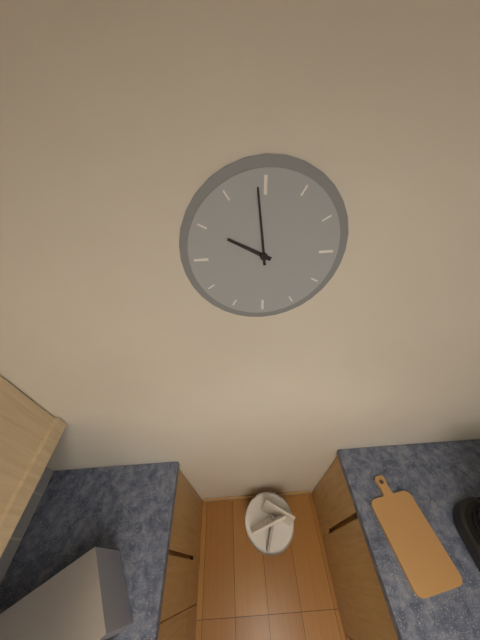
9:59
